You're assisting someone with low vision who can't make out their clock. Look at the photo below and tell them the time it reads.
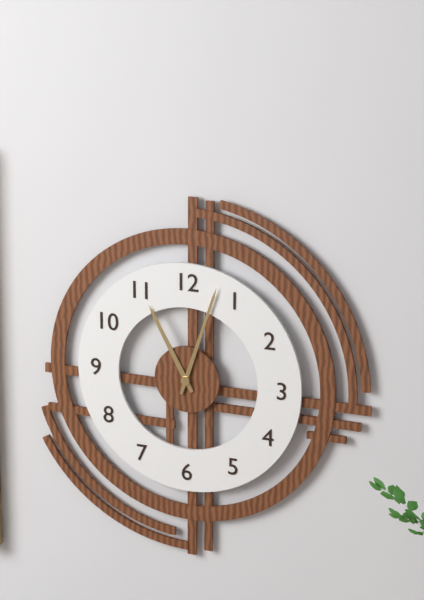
11:03
